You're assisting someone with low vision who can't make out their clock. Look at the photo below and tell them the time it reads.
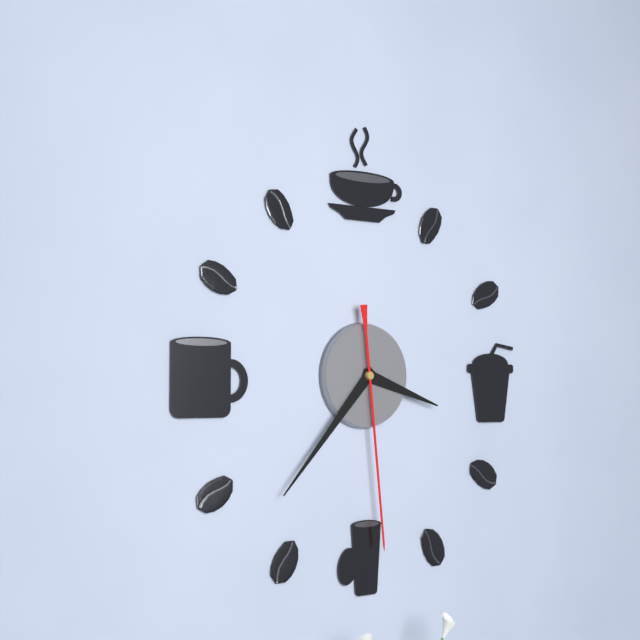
3:37:29
